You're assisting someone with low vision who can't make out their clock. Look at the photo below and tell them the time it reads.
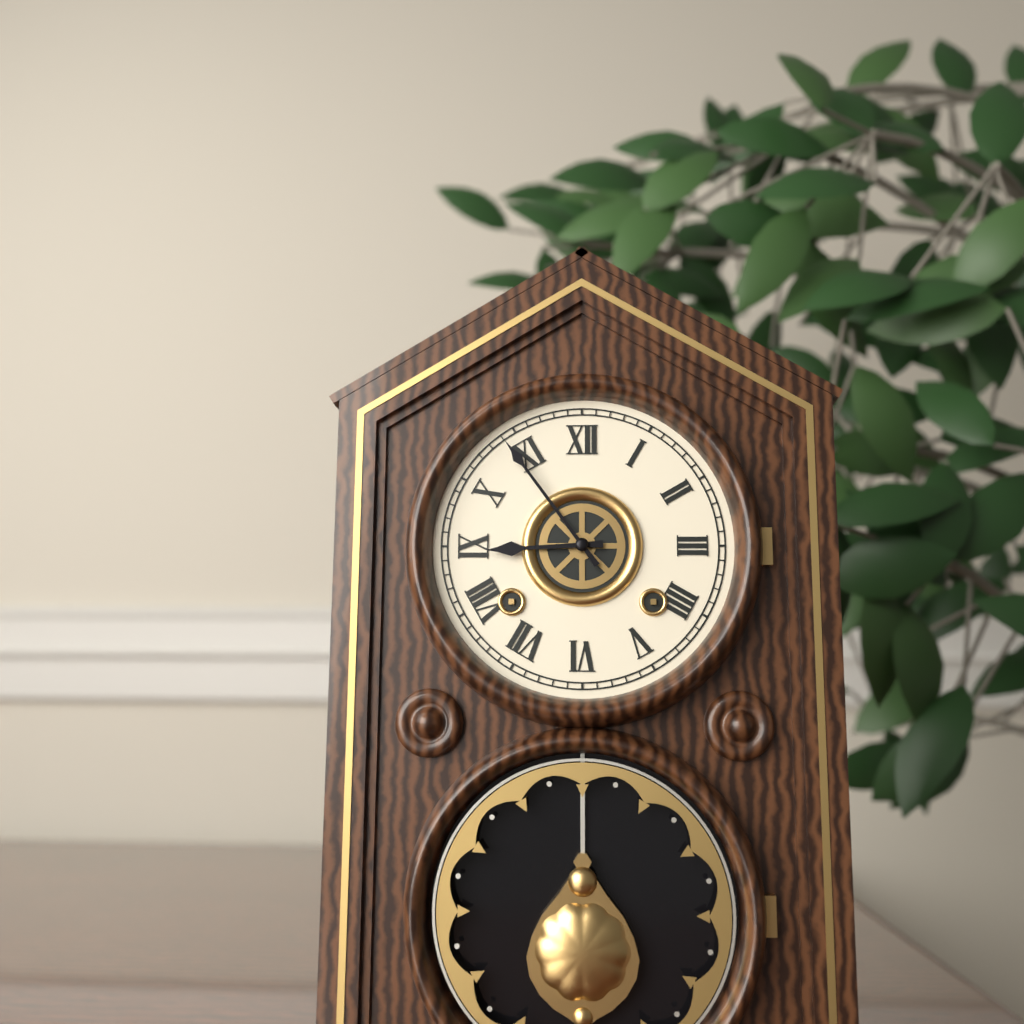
8:54
